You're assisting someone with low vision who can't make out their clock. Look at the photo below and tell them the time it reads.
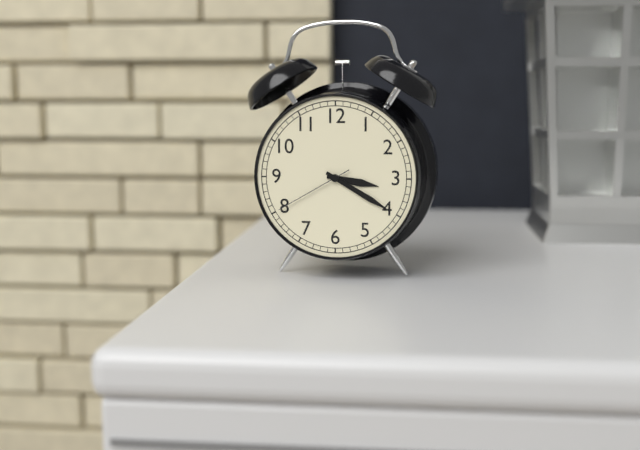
3:20:40
